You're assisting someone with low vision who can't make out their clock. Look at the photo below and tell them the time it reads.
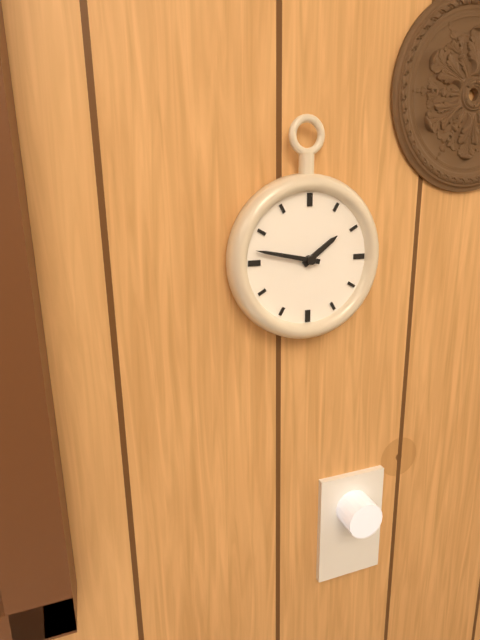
1:47
